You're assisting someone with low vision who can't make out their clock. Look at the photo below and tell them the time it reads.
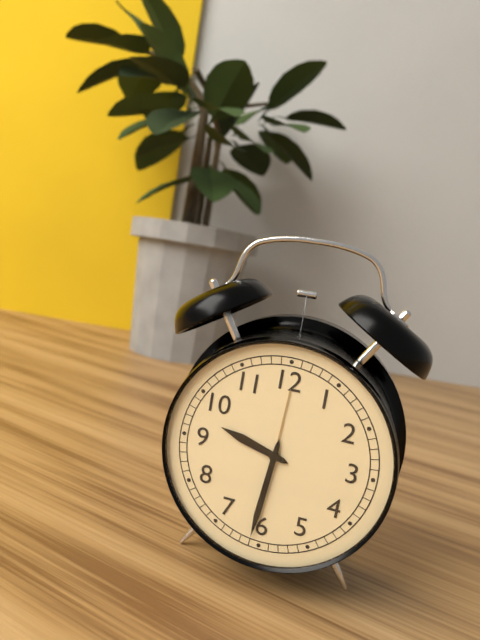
9:31
